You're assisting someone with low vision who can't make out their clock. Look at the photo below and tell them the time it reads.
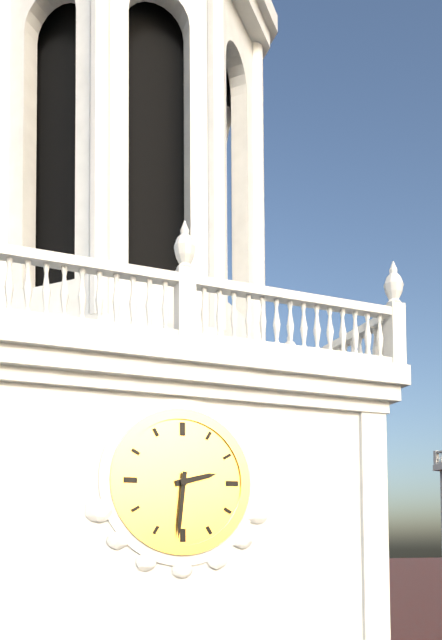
2:31
